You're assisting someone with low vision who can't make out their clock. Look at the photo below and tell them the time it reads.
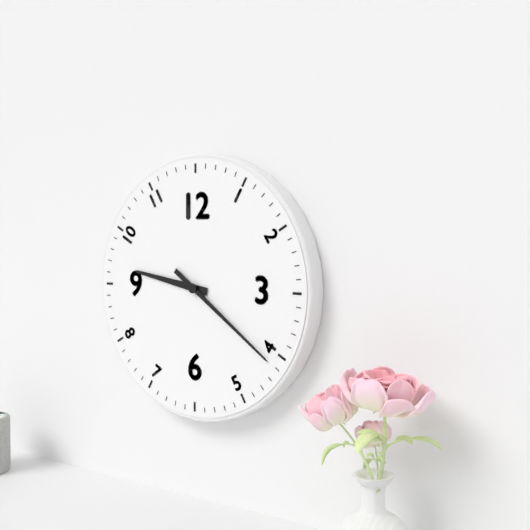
9:21
